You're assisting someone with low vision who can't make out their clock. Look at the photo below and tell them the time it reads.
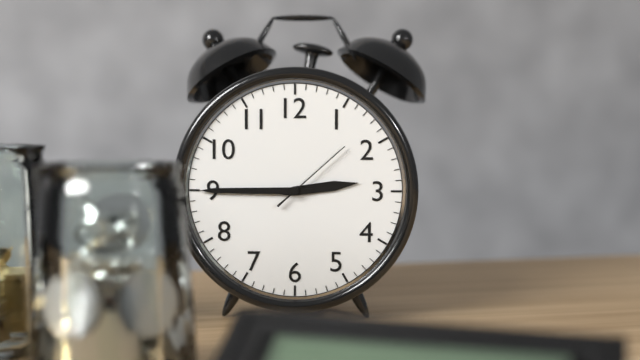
2:45:08
